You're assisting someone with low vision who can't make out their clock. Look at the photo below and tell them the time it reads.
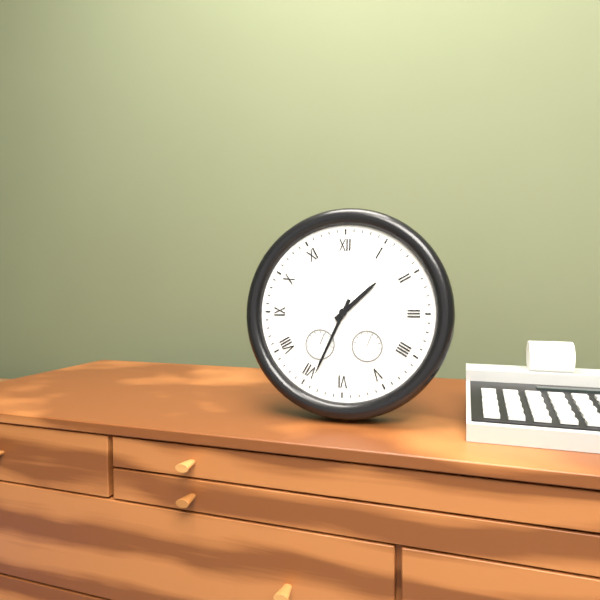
1:34
